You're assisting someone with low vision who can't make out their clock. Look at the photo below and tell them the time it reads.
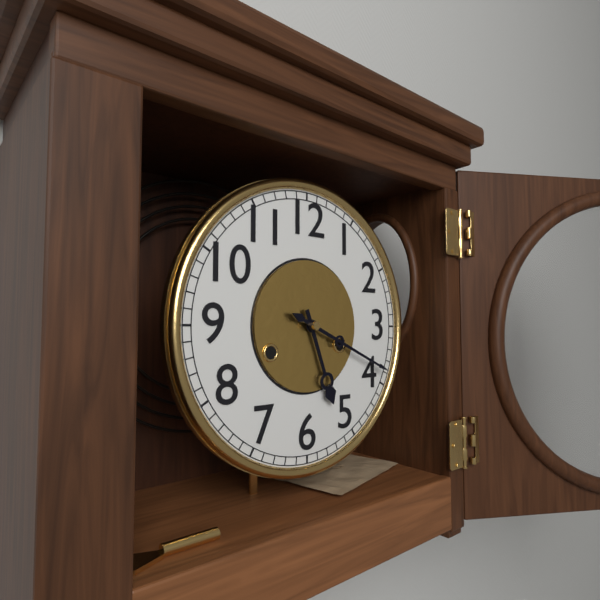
5:19
